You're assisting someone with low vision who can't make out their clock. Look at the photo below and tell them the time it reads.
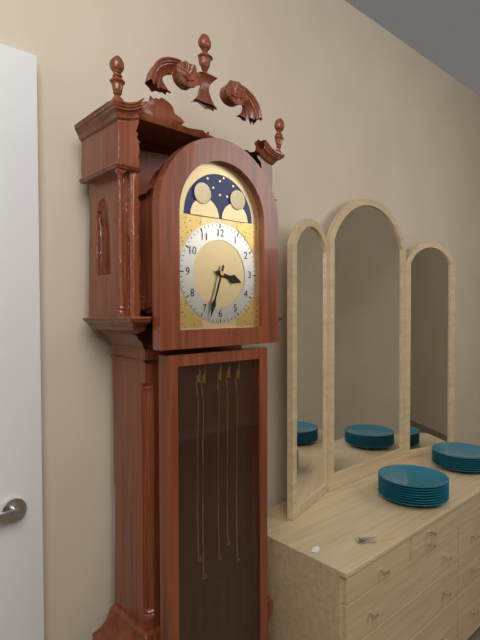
3:33
